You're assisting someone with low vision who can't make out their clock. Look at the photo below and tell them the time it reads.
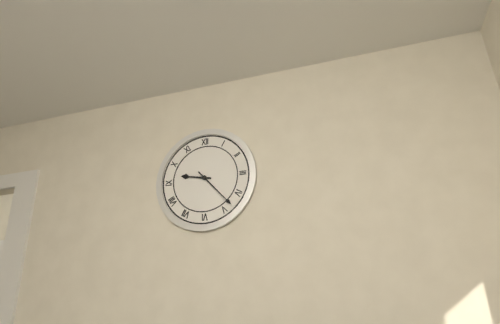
9:23
